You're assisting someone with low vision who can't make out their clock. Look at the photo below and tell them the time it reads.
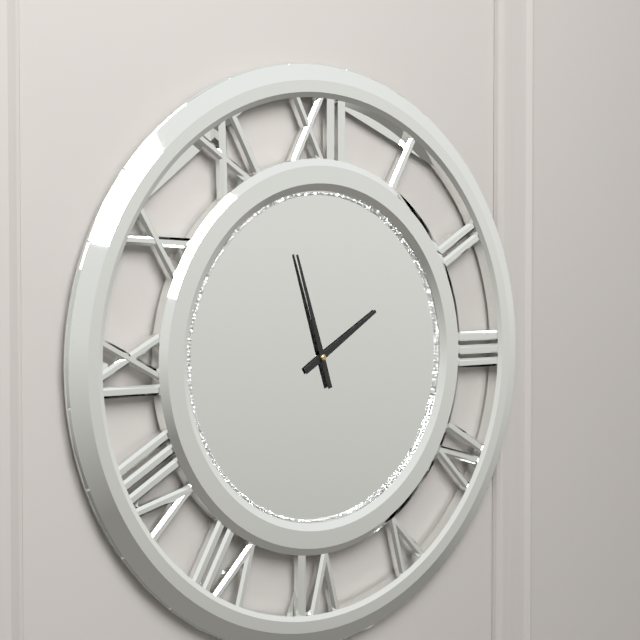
1:57
